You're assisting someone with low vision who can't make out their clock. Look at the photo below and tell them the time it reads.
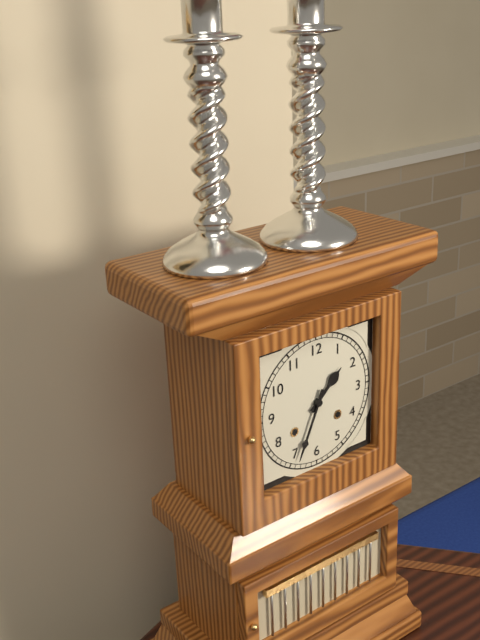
1:34
